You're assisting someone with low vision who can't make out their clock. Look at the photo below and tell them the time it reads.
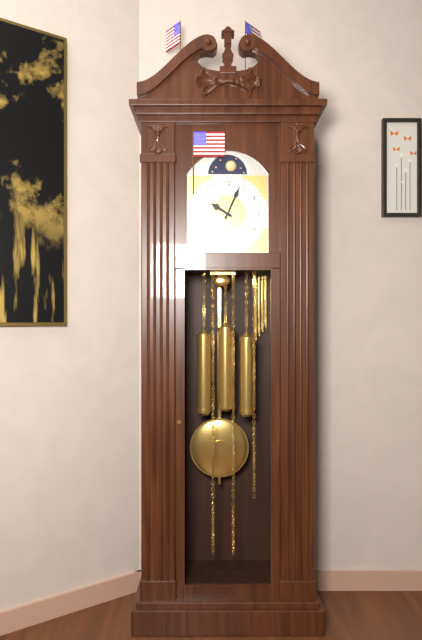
10:04
